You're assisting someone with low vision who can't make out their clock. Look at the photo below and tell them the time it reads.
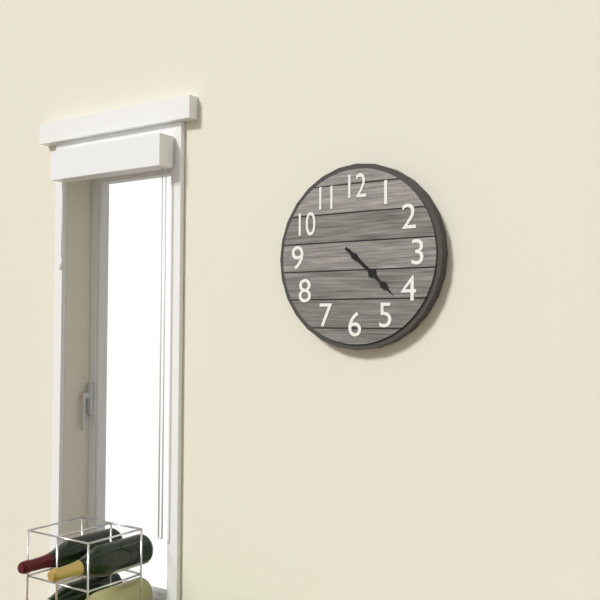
4:22
